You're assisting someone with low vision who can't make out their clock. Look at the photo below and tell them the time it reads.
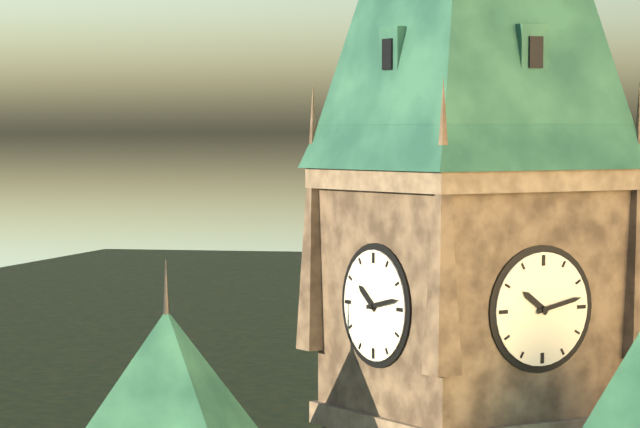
10:13
